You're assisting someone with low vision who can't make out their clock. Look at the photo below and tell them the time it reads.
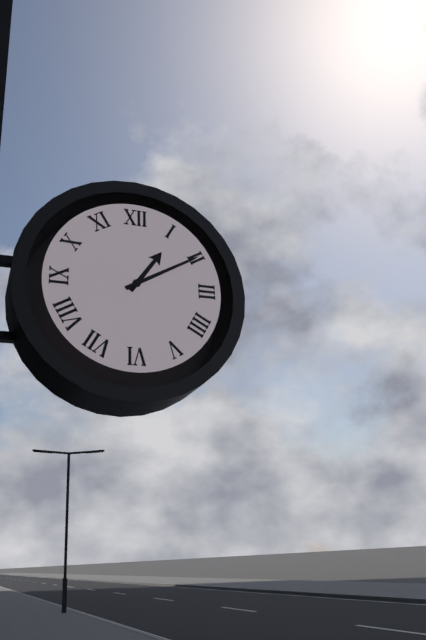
1:10
